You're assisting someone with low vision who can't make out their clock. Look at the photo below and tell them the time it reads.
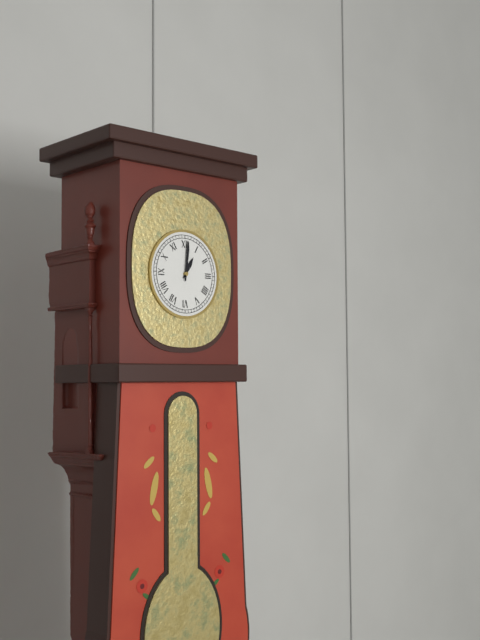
1:01
